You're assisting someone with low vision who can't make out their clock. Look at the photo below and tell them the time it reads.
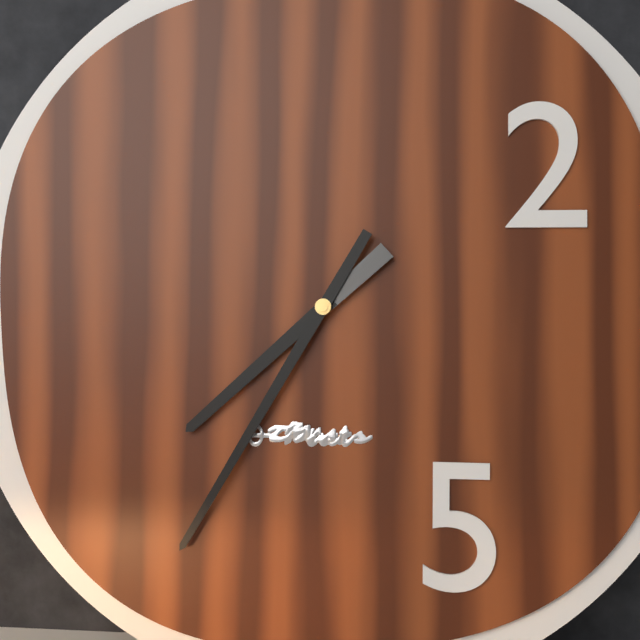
7:35
